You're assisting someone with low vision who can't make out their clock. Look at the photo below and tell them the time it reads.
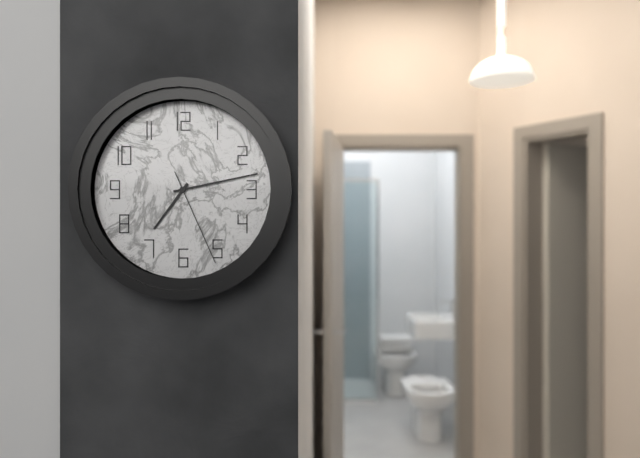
7:13:26
